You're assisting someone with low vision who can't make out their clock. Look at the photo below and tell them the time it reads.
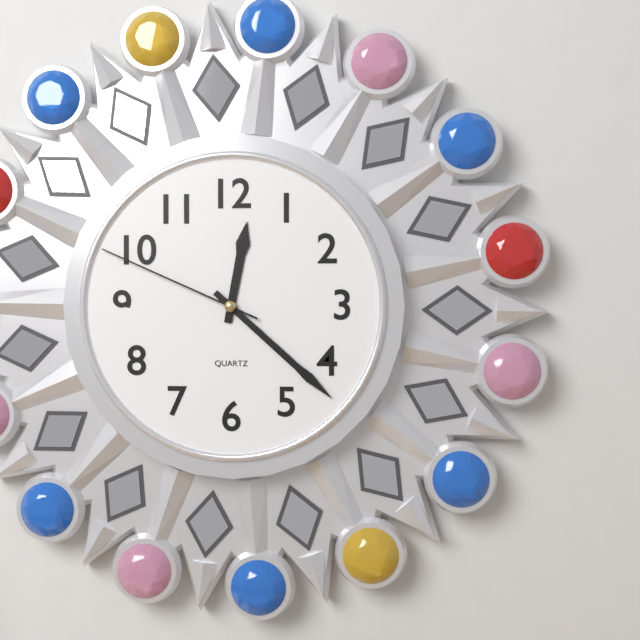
12:22:49
